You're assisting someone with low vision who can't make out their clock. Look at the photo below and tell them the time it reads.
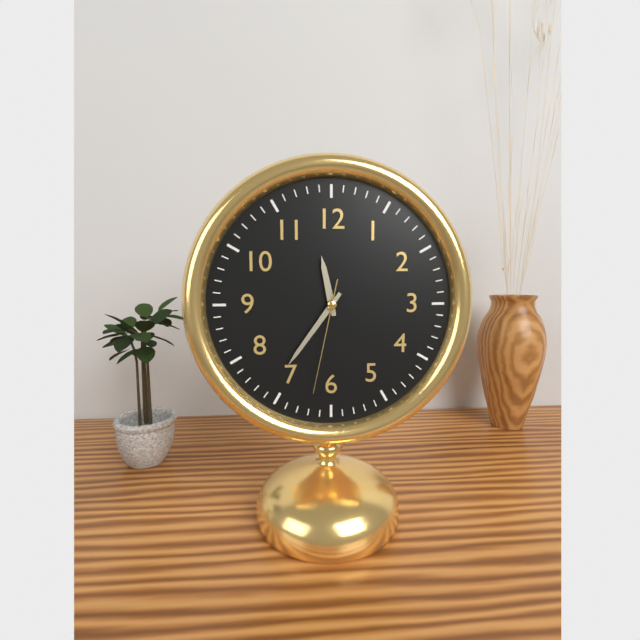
11:36:32
